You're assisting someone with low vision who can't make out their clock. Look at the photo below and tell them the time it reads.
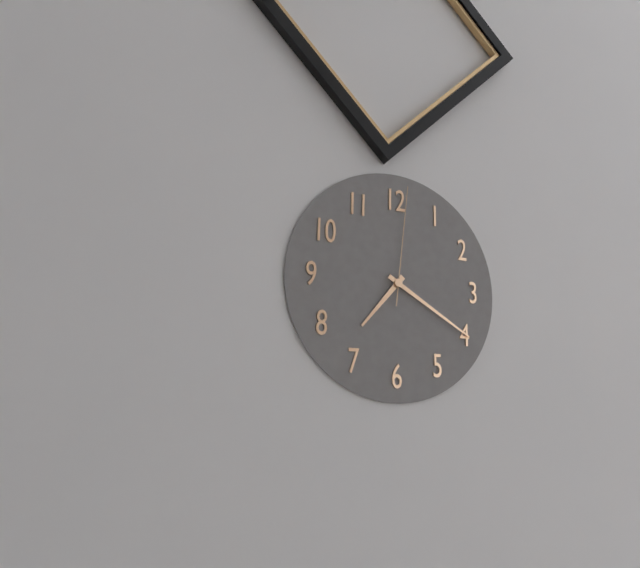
7:20:01
